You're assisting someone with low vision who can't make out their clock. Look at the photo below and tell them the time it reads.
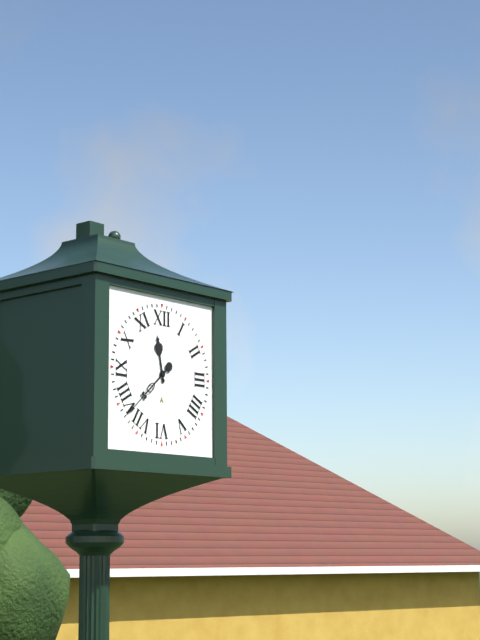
11:38
